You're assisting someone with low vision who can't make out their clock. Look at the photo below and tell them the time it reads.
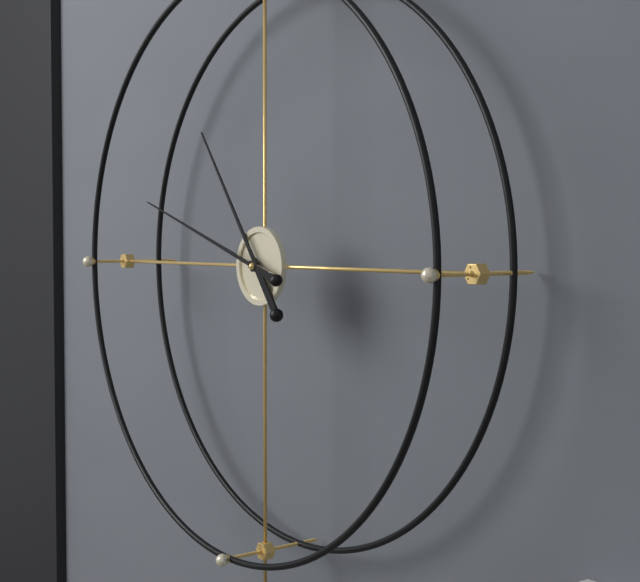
10:48
